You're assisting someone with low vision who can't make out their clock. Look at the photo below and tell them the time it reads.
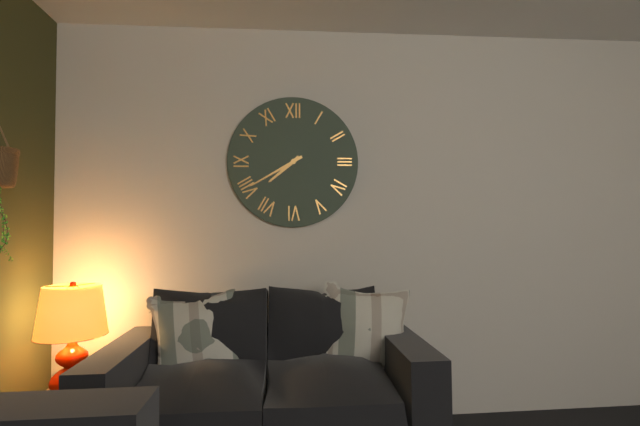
7:40
